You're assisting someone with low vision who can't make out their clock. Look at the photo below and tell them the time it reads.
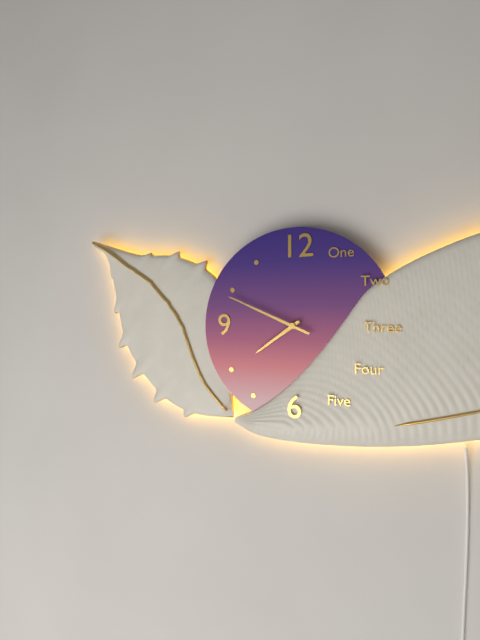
7:49
